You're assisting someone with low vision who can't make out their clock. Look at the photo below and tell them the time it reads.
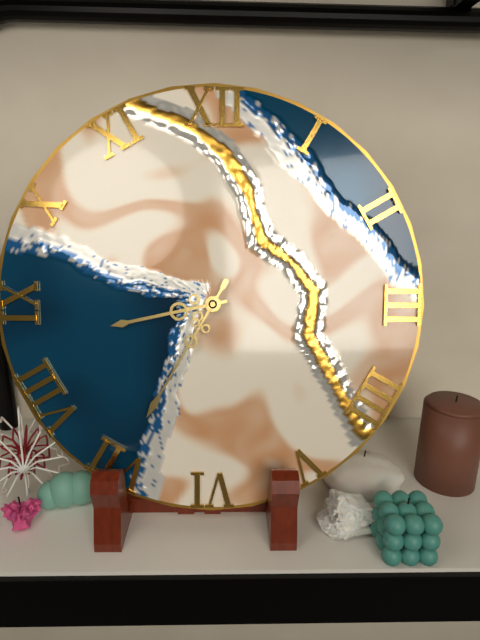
8:35
